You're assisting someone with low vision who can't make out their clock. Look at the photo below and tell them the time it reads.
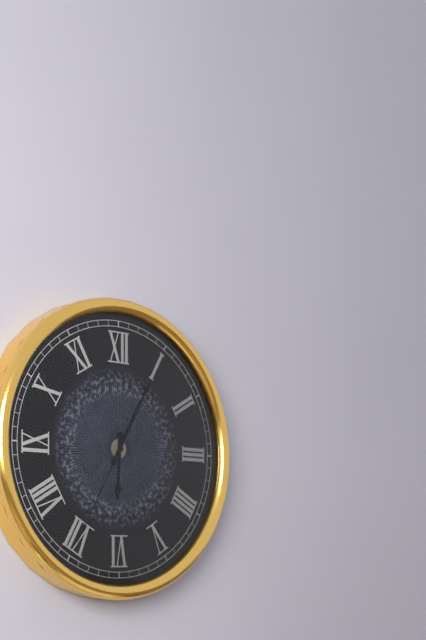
6:05:35
